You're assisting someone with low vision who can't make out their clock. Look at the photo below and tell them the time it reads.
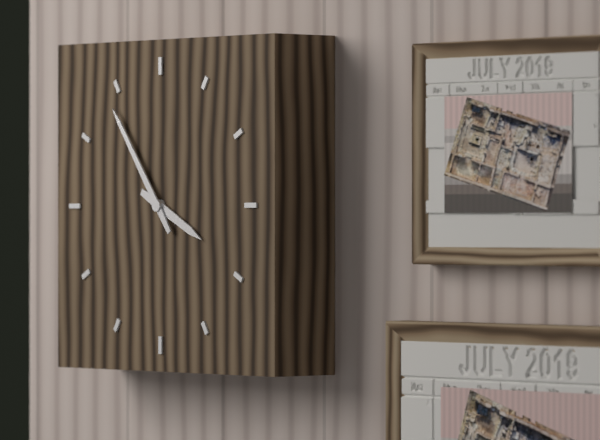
3:54
